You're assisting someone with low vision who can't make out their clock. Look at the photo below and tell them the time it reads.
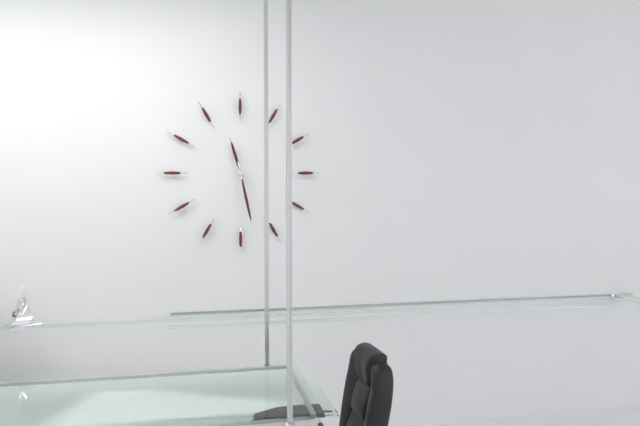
11:28
